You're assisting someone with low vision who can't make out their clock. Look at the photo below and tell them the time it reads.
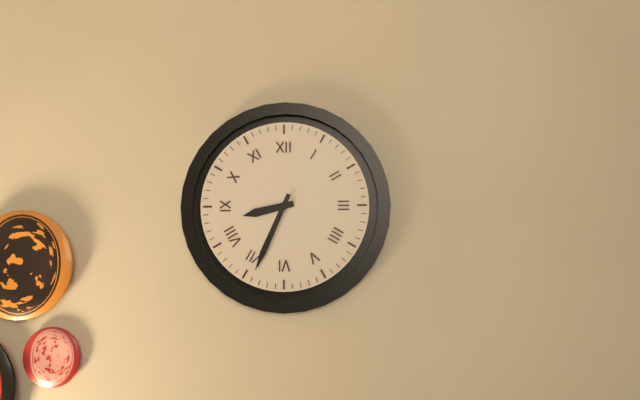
8:34
